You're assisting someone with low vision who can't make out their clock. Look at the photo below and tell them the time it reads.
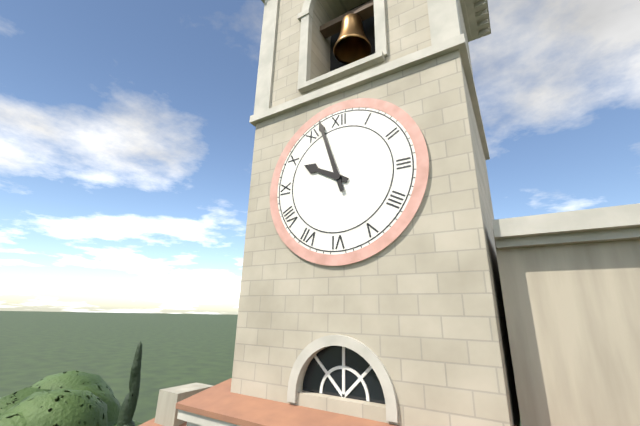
9:57
